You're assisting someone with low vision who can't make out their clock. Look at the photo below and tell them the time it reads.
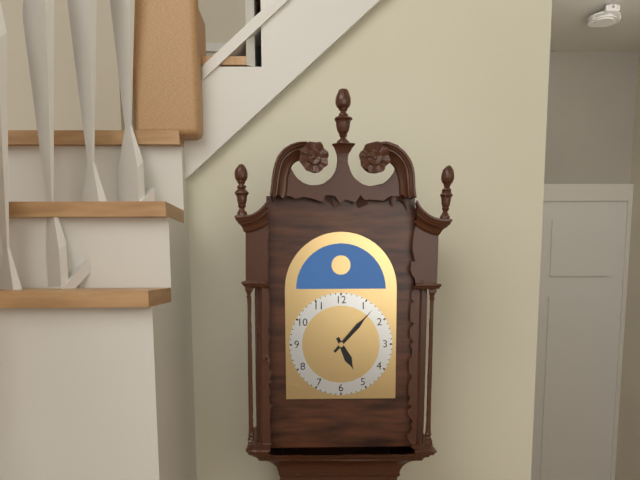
5:07
